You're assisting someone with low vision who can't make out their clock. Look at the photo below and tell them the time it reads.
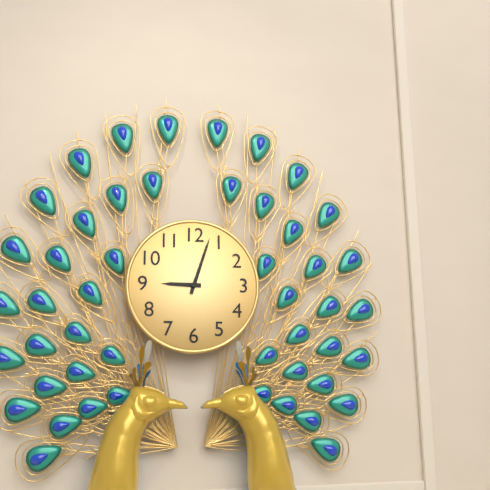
9:03
